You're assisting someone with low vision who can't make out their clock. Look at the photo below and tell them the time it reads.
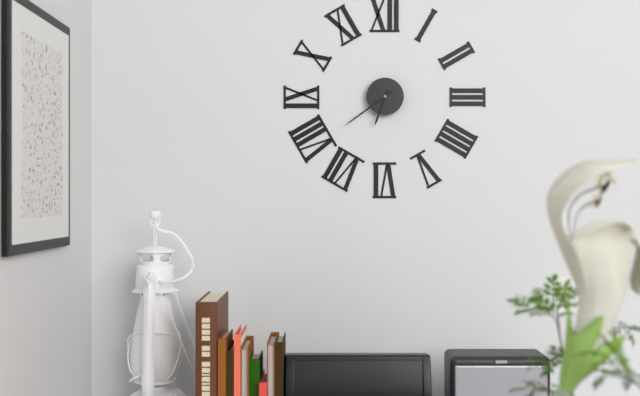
6:39
